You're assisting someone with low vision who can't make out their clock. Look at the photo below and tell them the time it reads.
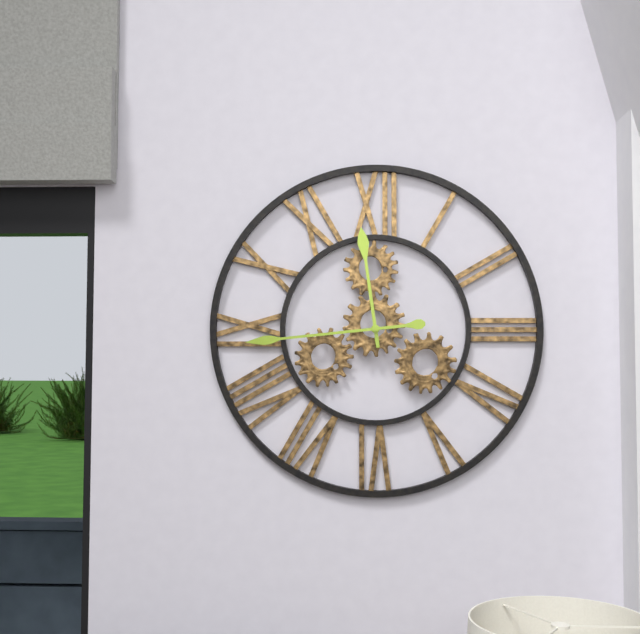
11:44
